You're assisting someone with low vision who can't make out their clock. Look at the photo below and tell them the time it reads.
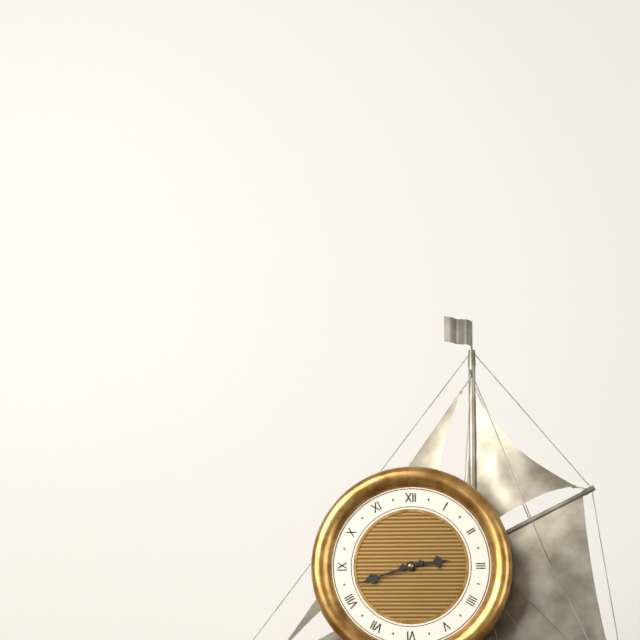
2:42
